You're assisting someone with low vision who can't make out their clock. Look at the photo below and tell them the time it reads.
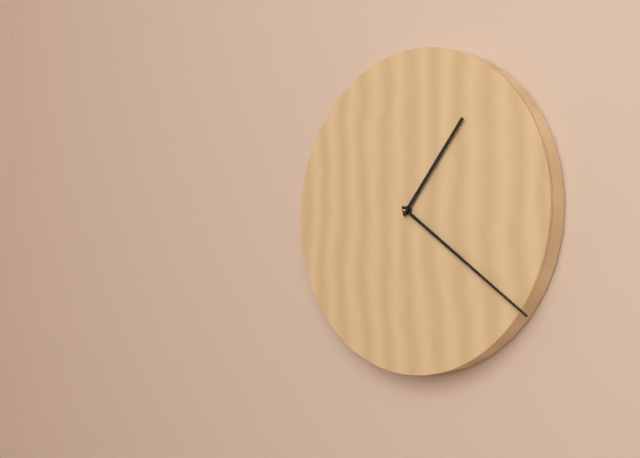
1:21
